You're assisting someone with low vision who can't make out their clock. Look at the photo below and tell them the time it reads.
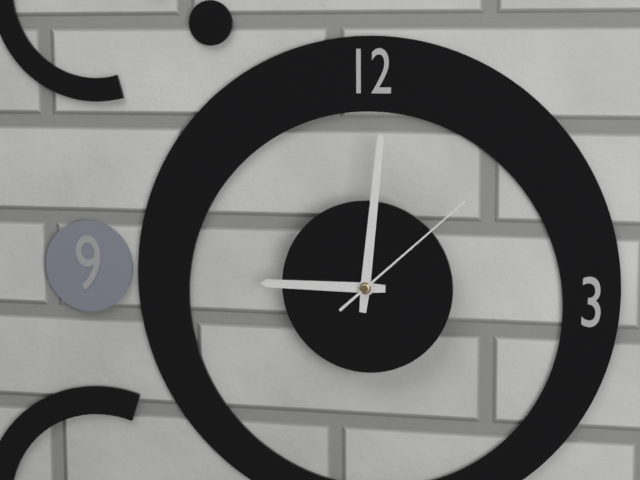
9:01:08
